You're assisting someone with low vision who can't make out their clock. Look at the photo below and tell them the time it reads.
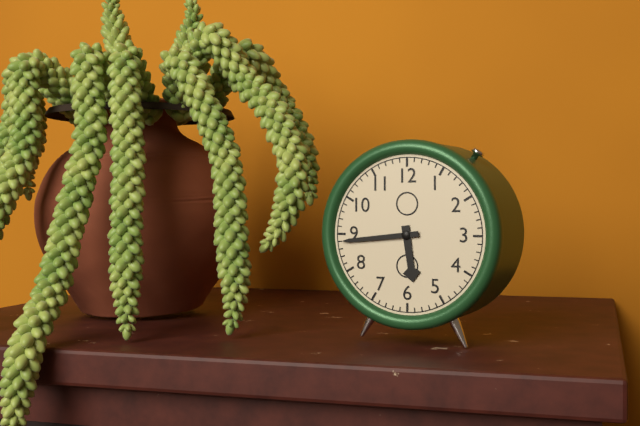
5:44
